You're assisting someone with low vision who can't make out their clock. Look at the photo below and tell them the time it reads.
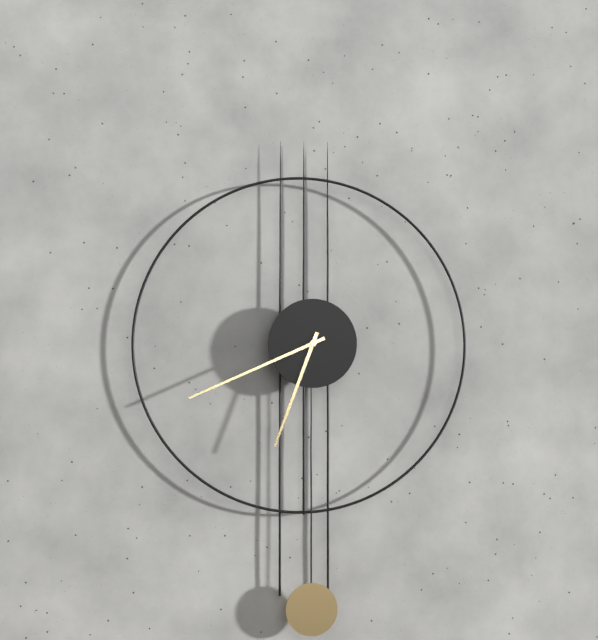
6:41
